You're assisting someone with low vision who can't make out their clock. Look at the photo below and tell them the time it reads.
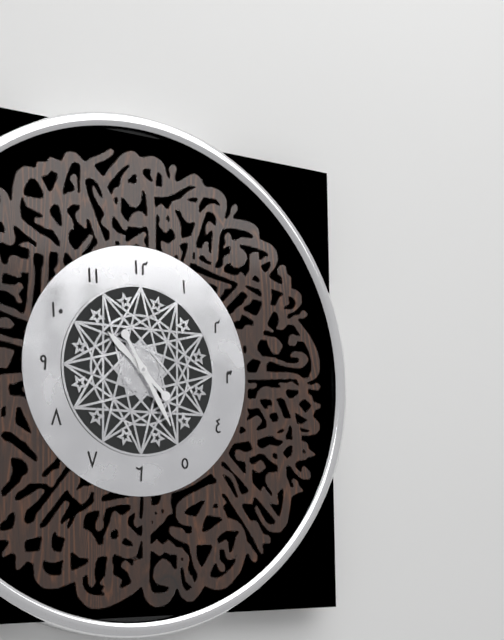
10:25
